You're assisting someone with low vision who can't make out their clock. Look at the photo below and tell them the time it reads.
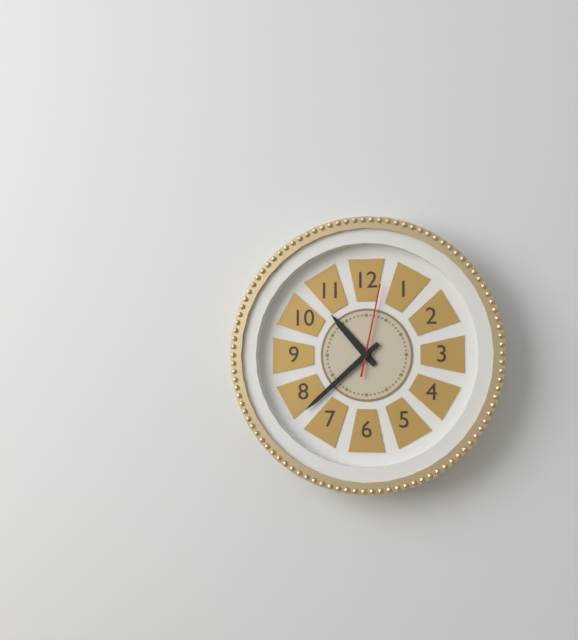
10:38:02
